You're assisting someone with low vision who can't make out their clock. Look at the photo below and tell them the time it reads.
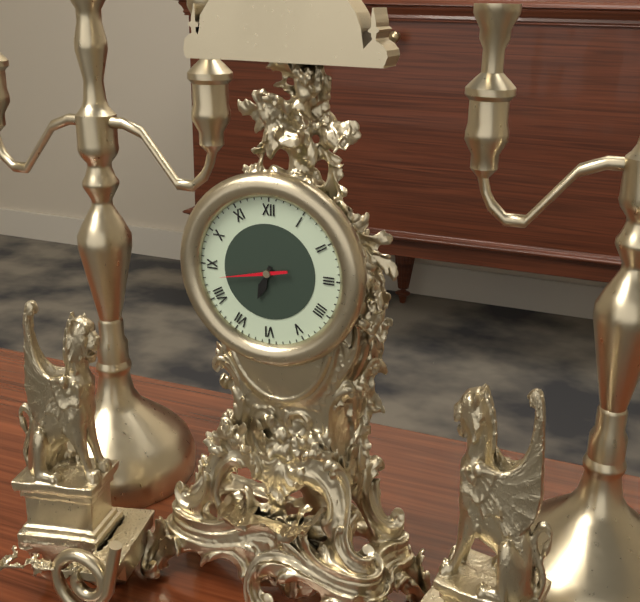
6:43
